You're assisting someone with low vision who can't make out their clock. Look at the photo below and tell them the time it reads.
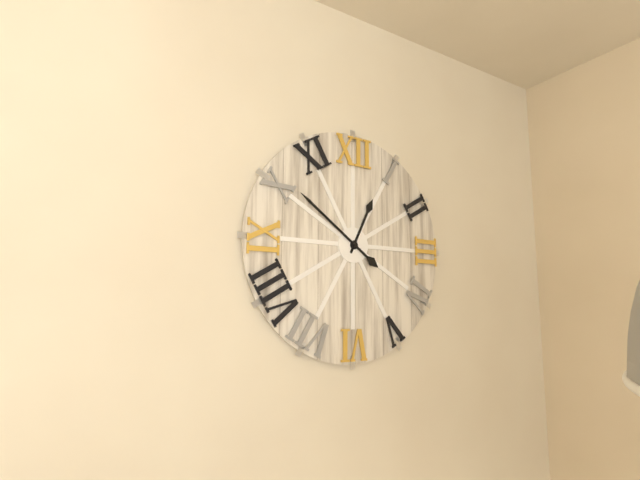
12:51
